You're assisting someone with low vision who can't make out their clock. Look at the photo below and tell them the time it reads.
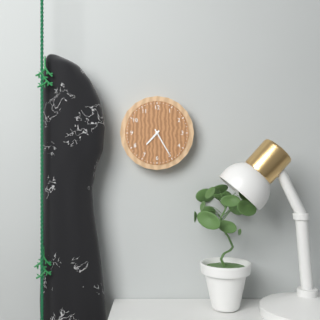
7:25
